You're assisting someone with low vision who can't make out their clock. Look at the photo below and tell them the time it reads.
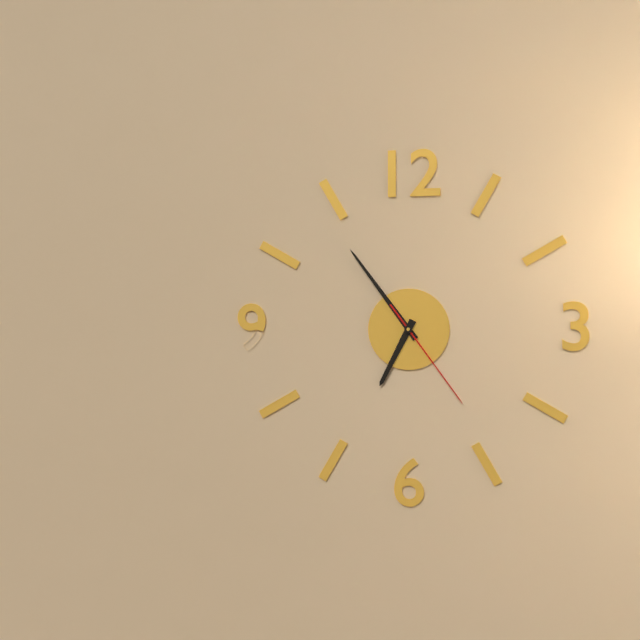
6:54:24
